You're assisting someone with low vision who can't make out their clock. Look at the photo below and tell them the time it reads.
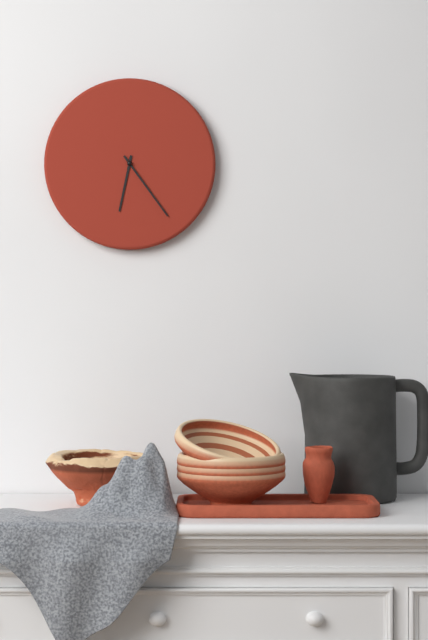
6:24
